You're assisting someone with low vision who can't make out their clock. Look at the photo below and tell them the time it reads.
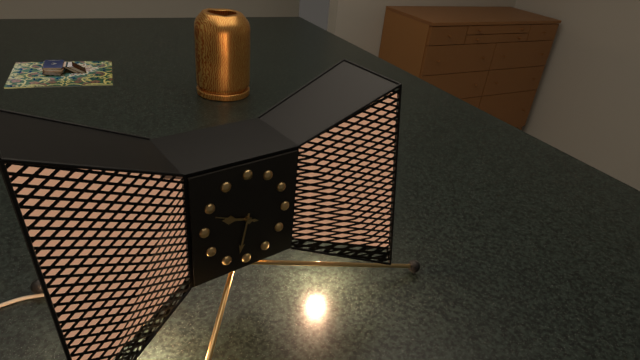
9:32
